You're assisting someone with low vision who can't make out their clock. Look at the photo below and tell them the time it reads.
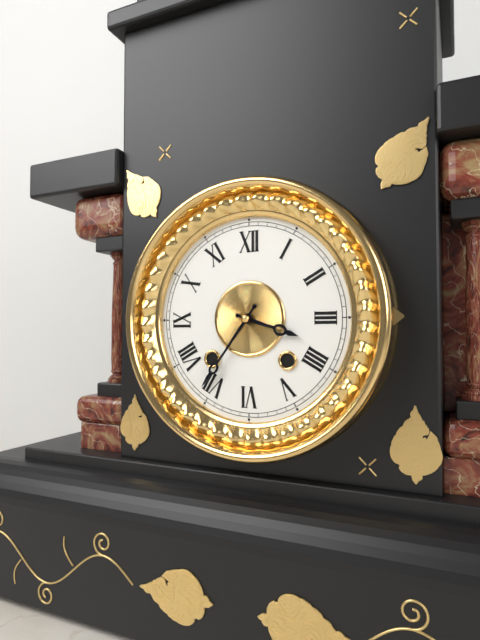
3:36
